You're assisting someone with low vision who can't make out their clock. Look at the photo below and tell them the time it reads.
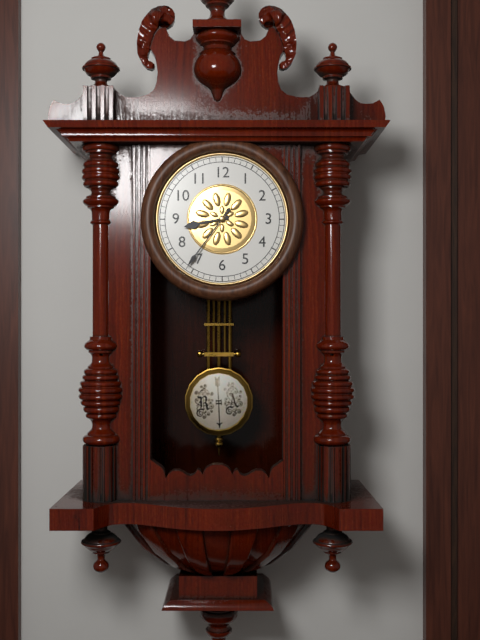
8:36
